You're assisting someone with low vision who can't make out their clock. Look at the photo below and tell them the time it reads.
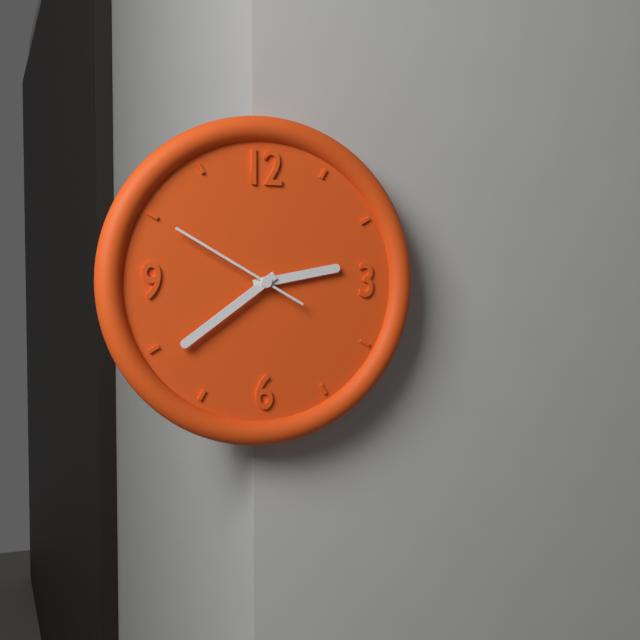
2:39:50
